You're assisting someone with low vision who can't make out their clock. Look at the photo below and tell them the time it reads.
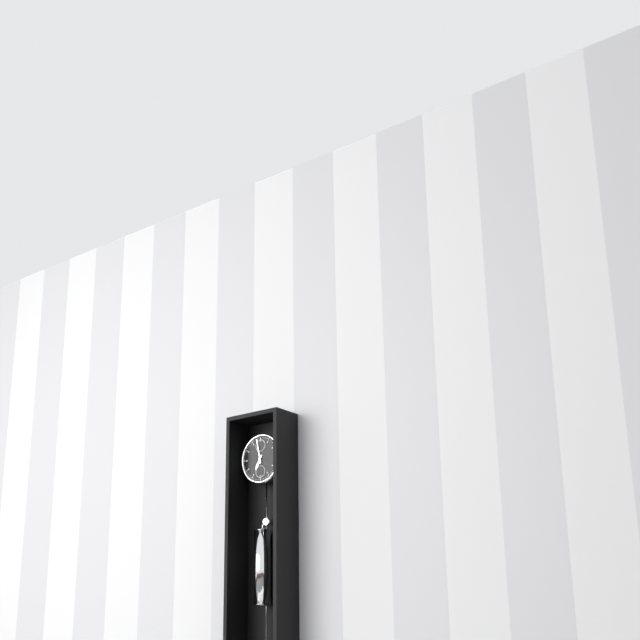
6:58
